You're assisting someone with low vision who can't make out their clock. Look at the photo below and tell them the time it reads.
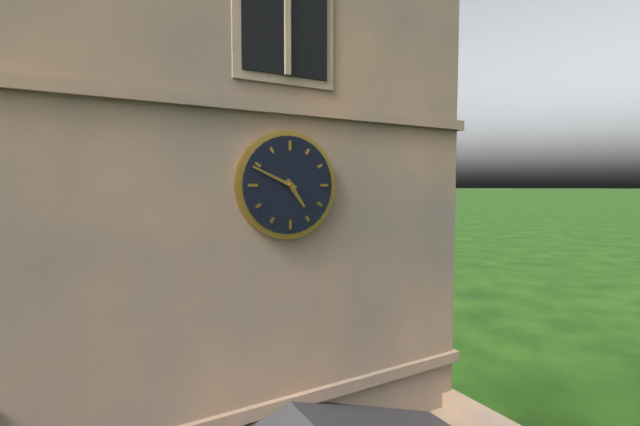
4:49
